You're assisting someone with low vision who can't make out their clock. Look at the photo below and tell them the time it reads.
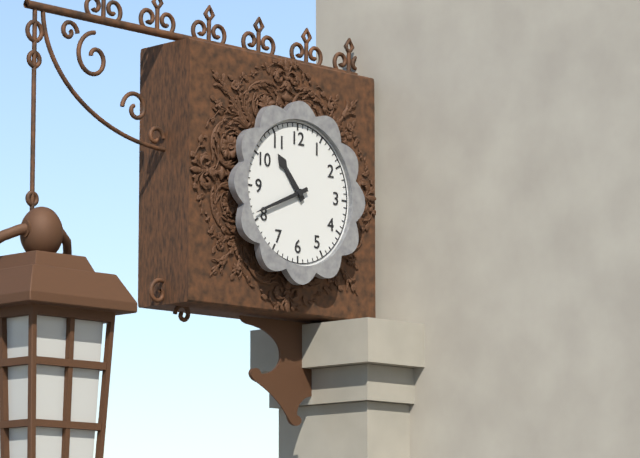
10:41
